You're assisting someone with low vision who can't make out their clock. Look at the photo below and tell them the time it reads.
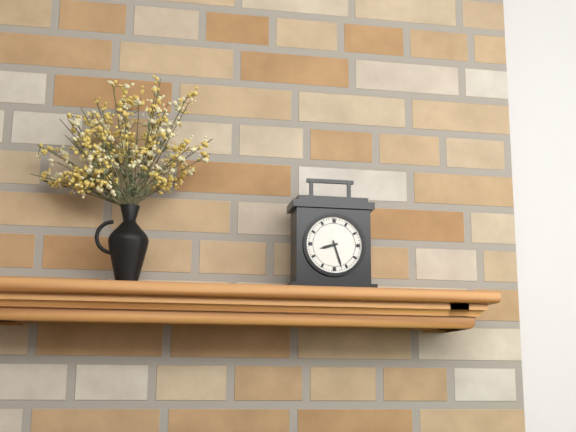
8:27
